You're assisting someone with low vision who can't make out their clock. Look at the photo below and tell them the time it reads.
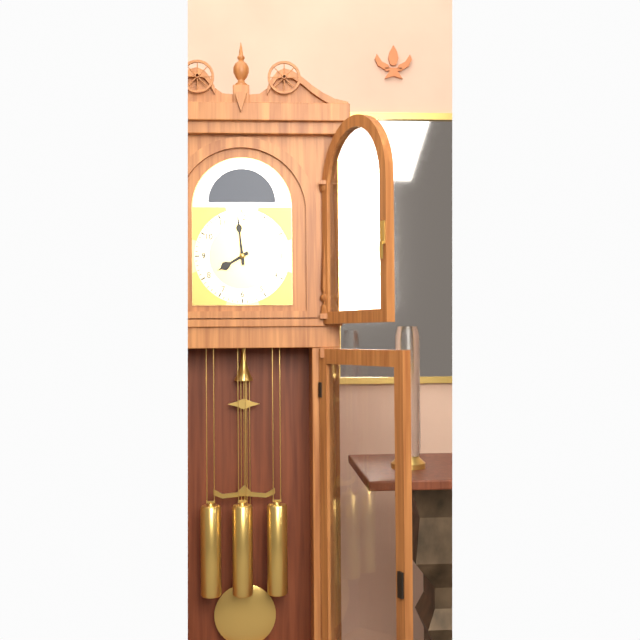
7:59
